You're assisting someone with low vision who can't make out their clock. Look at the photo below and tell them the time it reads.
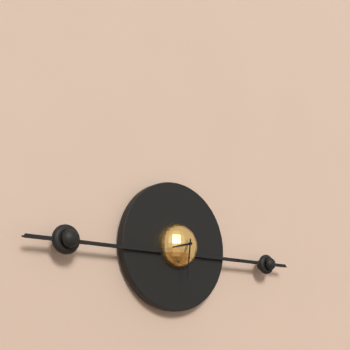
8:31
